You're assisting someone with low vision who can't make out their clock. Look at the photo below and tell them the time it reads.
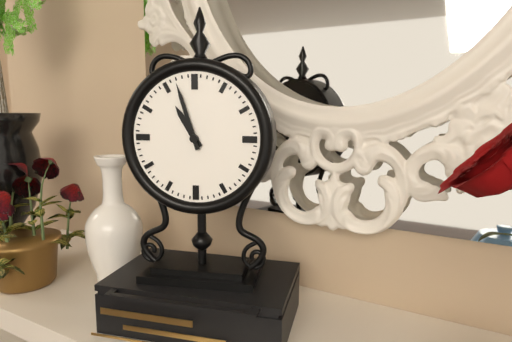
10:57
